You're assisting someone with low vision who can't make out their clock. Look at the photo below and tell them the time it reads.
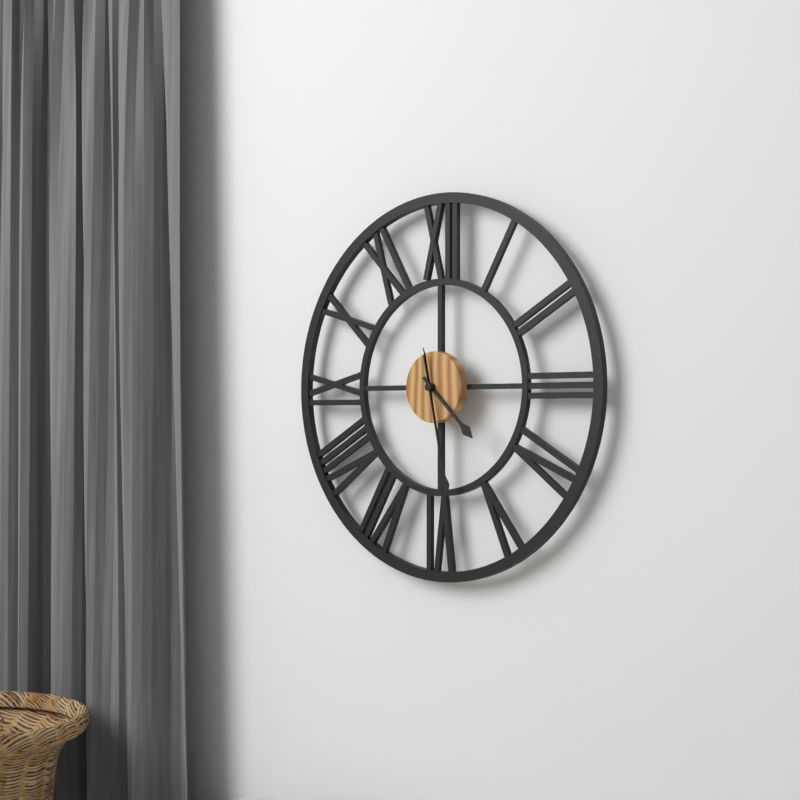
4:28
